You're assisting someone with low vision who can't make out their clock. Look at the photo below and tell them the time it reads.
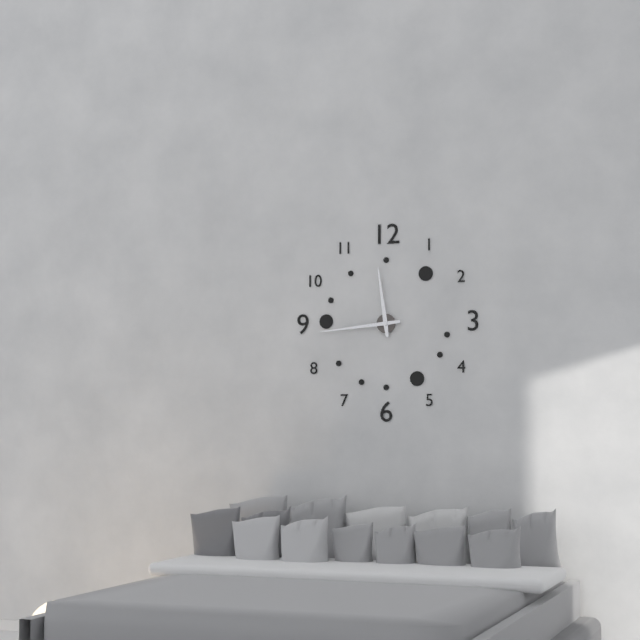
11:44
